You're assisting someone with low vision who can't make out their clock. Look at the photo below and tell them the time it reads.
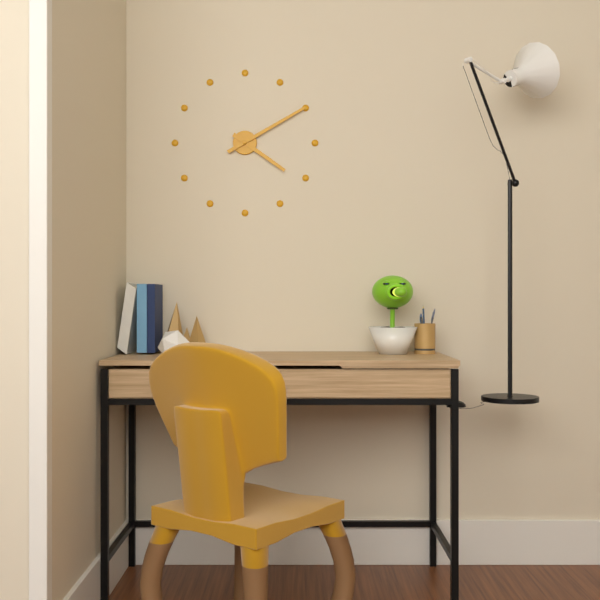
4:10
